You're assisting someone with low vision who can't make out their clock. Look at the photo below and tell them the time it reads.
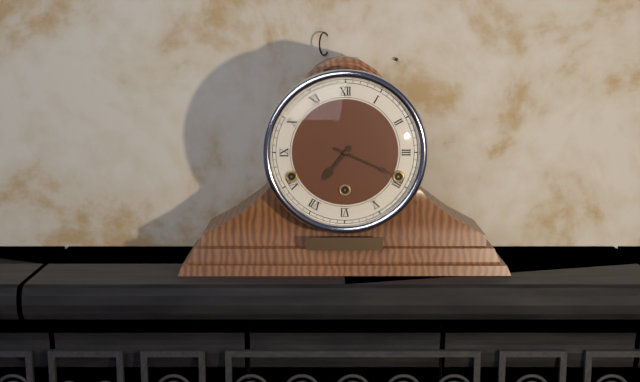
7:19
